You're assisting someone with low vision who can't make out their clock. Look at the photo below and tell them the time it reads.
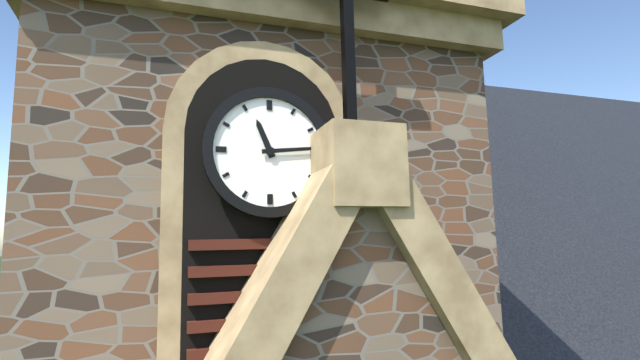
11:14
